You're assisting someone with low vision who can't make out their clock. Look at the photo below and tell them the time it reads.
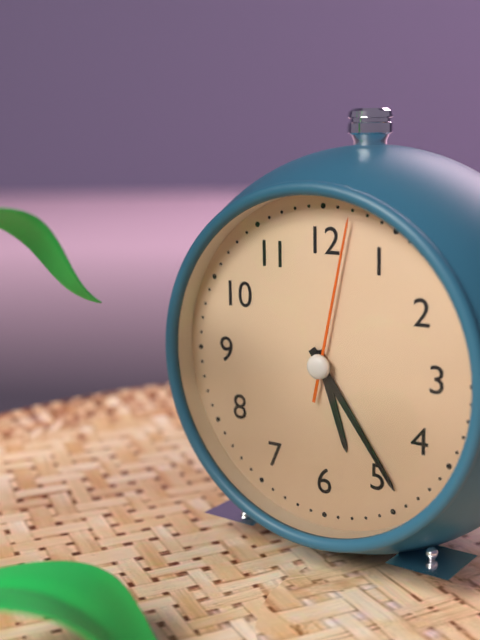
5:24:02
